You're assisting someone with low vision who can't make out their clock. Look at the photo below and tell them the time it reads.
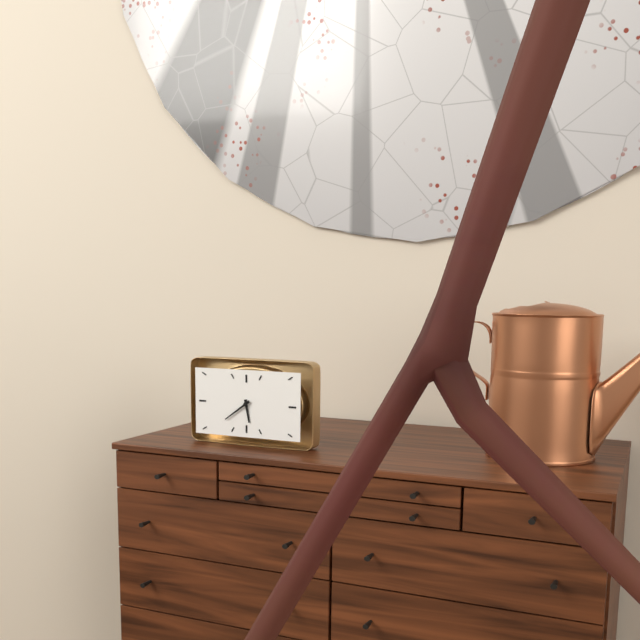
5:39
